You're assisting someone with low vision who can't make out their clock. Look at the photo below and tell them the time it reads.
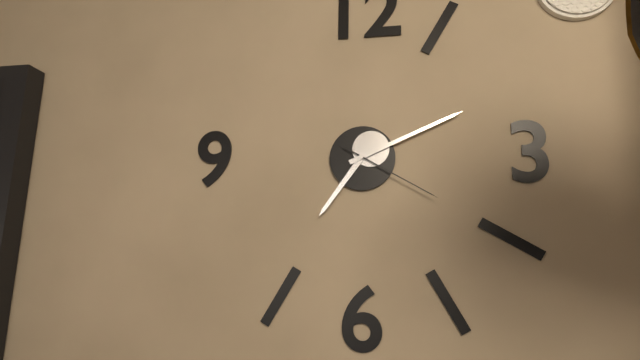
7:11:20
